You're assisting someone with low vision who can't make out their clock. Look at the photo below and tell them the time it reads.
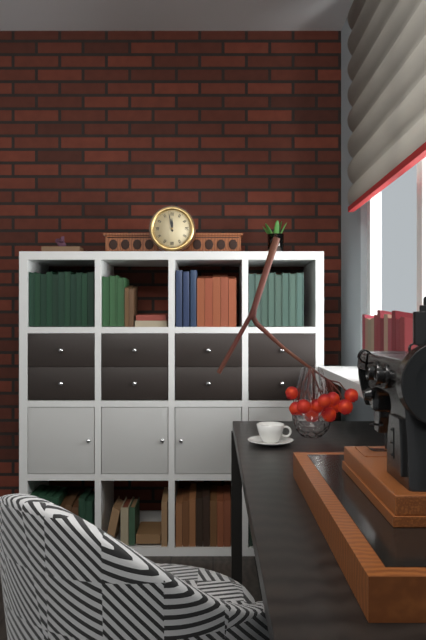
11:58
